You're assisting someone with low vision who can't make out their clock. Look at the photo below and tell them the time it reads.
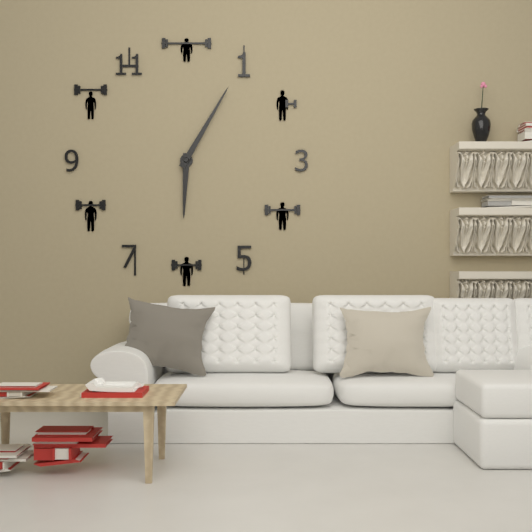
6:05
